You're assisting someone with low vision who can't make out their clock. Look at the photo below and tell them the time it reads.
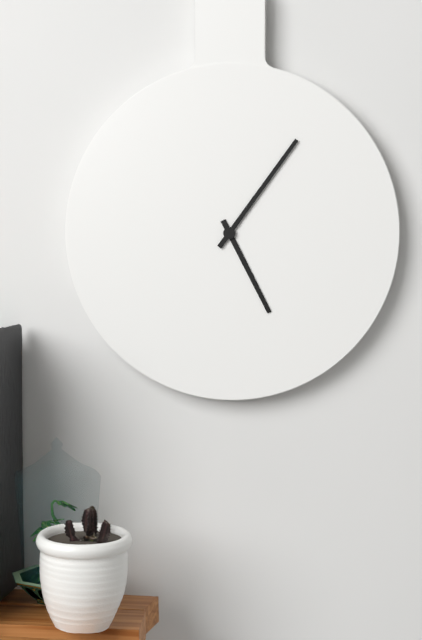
5:06
